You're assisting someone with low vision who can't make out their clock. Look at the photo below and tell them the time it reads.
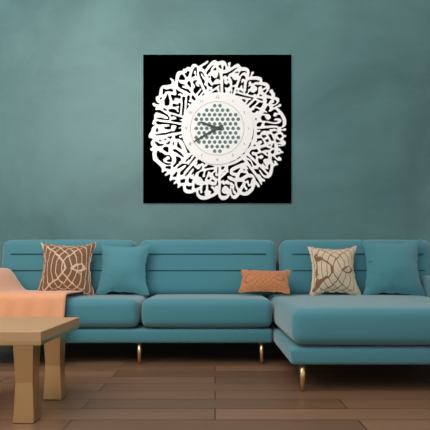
9:40
